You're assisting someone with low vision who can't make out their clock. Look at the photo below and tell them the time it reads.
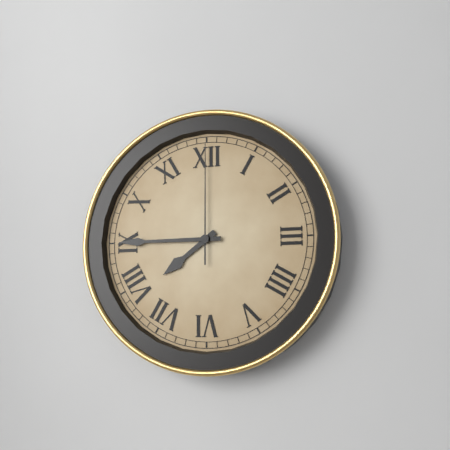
7:45:00
